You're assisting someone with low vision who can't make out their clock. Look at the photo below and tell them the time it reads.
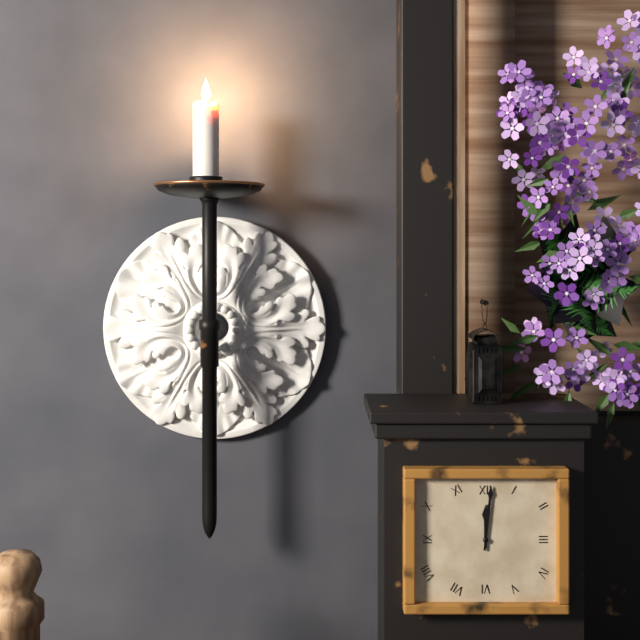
12:01
